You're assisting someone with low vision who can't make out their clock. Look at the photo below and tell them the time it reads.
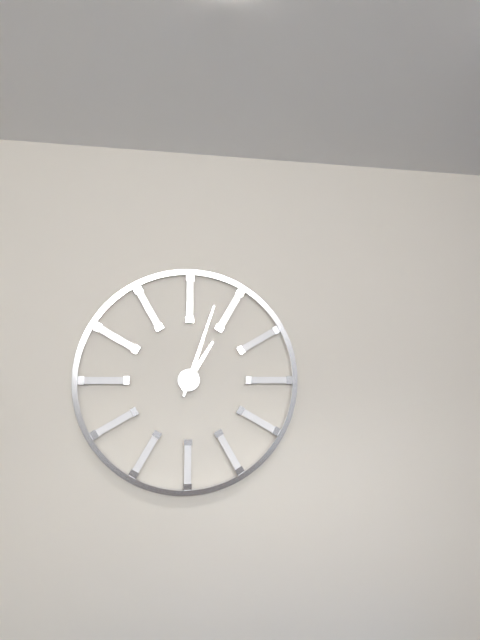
1:03
